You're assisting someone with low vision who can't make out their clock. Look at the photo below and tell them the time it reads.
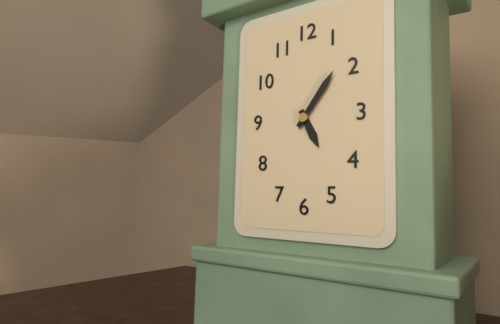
5:06
